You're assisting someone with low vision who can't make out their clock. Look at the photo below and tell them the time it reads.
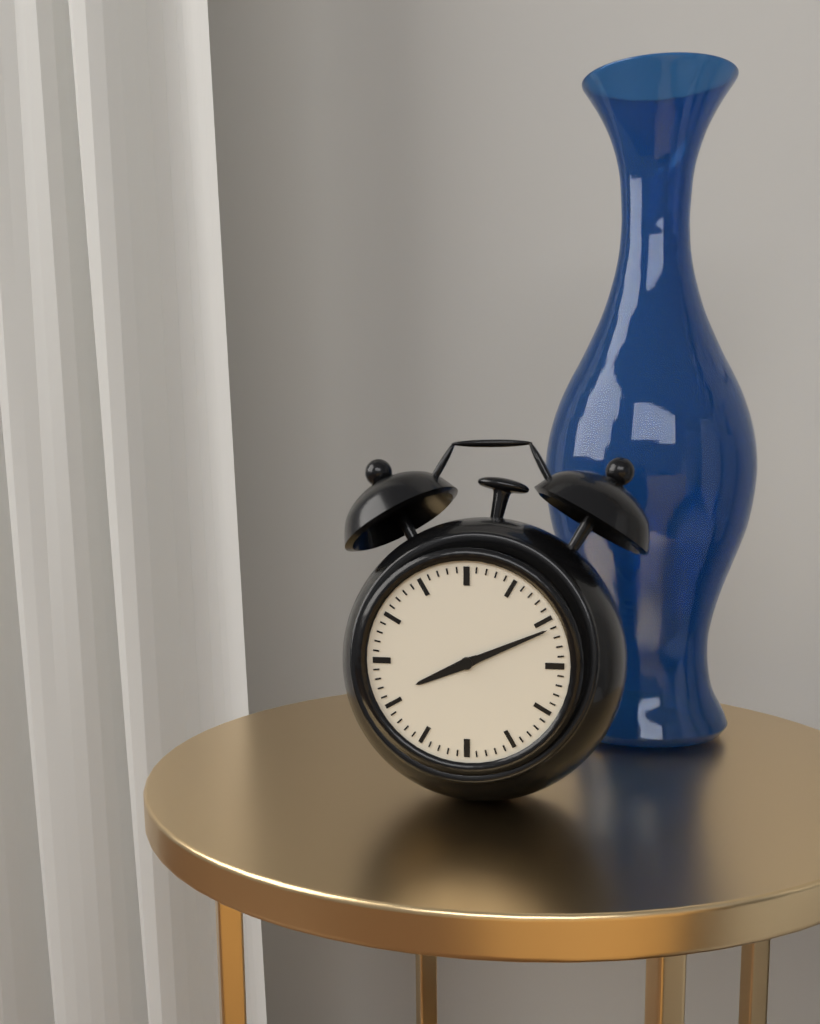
8:11
